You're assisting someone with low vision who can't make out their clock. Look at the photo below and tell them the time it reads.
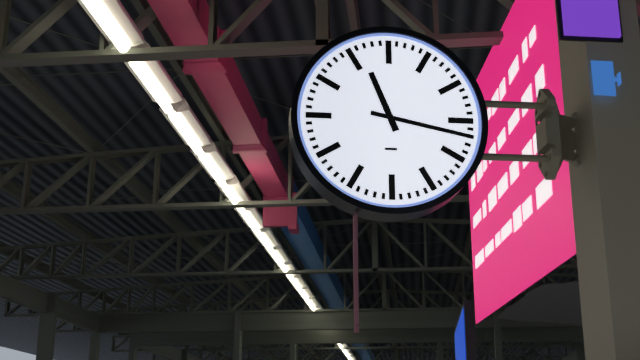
11:17
